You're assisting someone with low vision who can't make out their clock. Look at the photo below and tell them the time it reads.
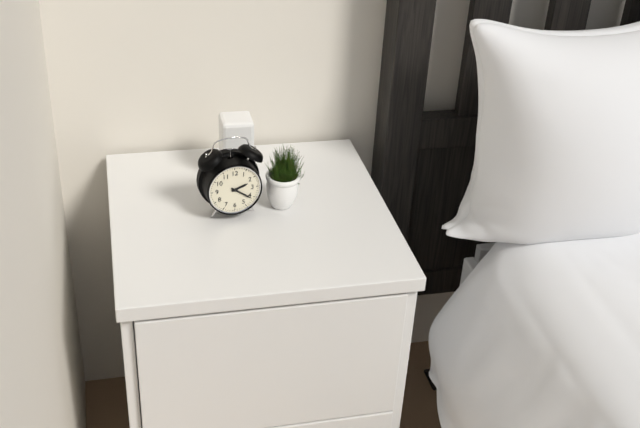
2:21
